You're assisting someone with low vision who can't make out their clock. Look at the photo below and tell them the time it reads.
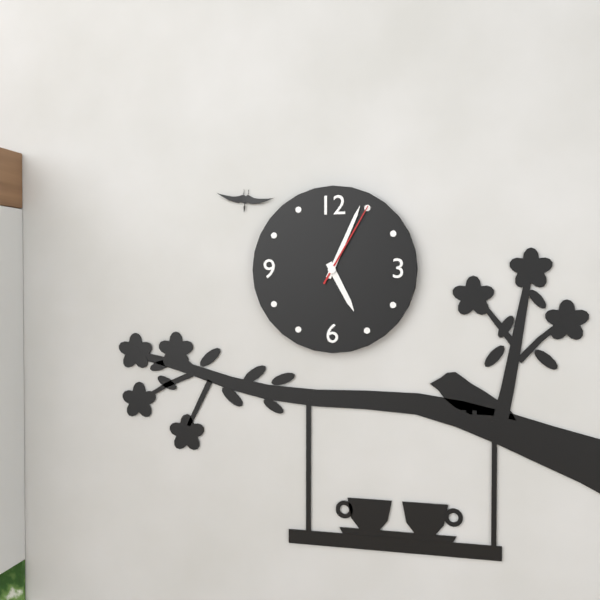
5:04:05
